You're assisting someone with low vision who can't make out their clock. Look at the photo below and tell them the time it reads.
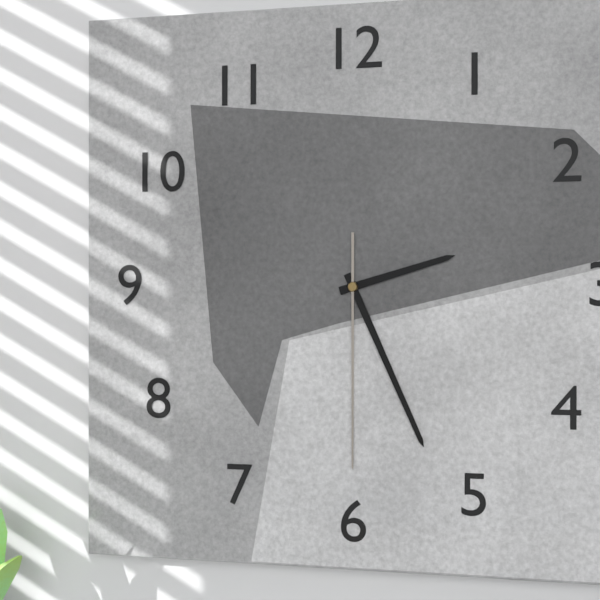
2:26:30
